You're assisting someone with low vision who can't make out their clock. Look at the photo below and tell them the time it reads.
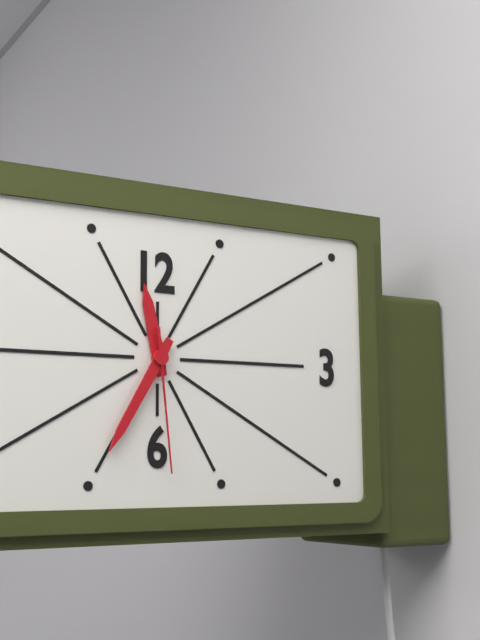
11:35:29
